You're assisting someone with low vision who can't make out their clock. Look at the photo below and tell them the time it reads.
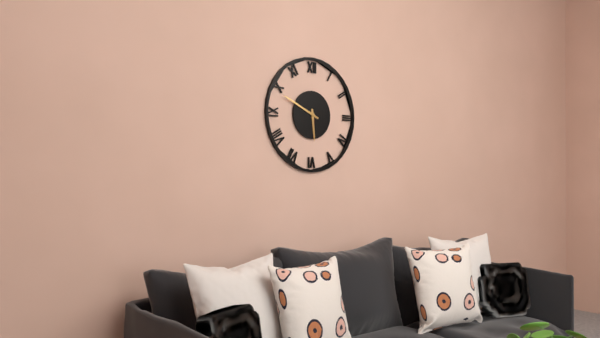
5:49
